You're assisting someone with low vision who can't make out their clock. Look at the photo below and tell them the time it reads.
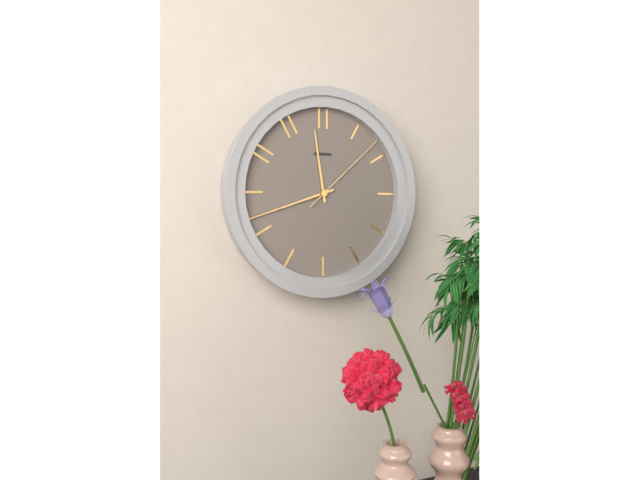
11:42:08
